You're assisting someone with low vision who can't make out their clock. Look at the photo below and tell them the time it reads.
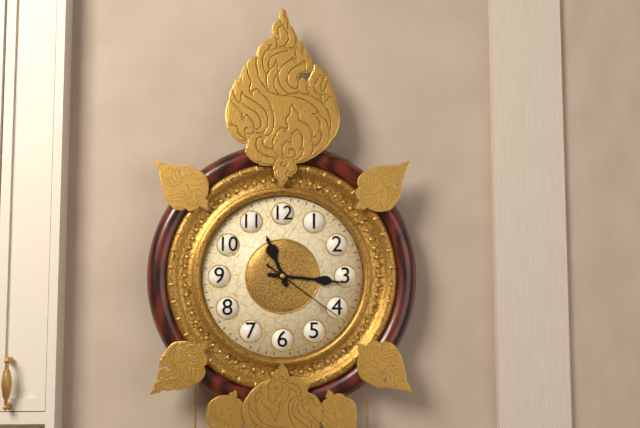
11:16:21
